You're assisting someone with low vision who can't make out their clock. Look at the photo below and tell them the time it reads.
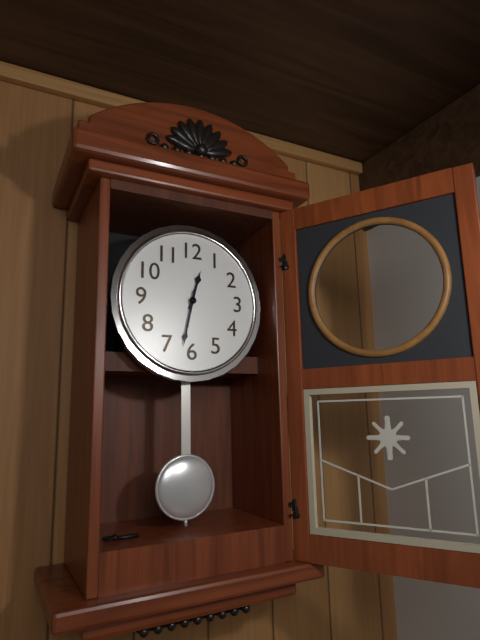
12:32
